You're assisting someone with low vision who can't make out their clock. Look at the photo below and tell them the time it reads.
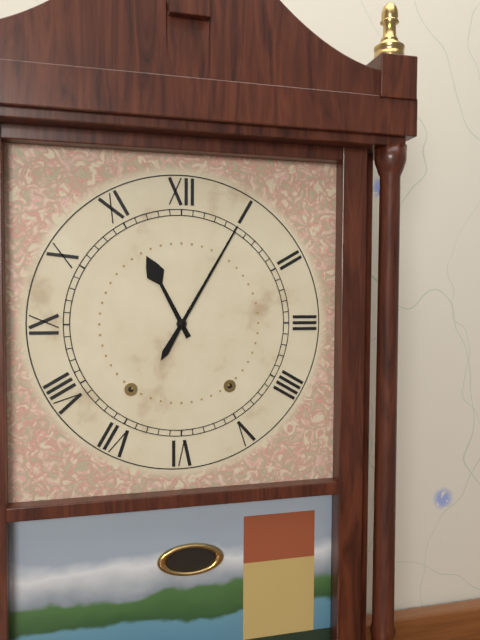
11:05
